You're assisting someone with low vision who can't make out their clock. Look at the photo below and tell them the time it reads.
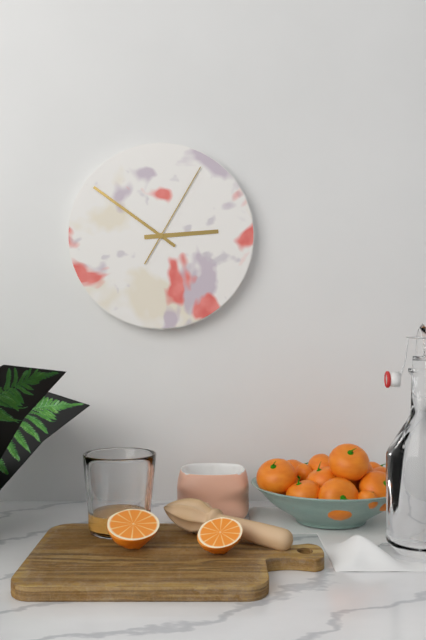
2:51:05
